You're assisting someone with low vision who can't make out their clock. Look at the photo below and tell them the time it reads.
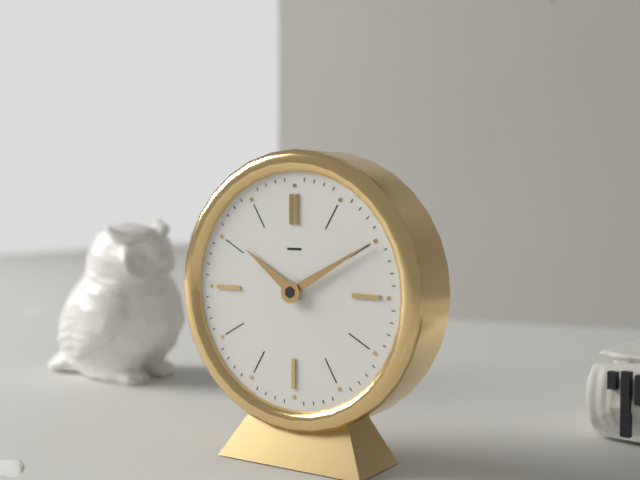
10:10
